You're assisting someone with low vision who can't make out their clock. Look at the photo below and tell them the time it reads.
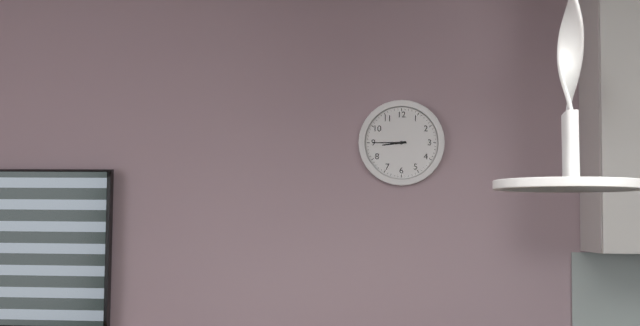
8:45
